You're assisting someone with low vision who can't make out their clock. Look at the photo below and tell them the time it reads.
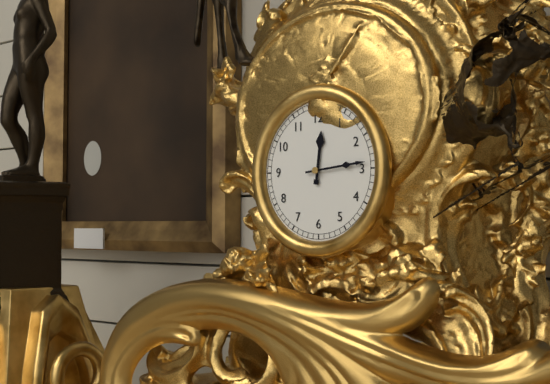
12:14
